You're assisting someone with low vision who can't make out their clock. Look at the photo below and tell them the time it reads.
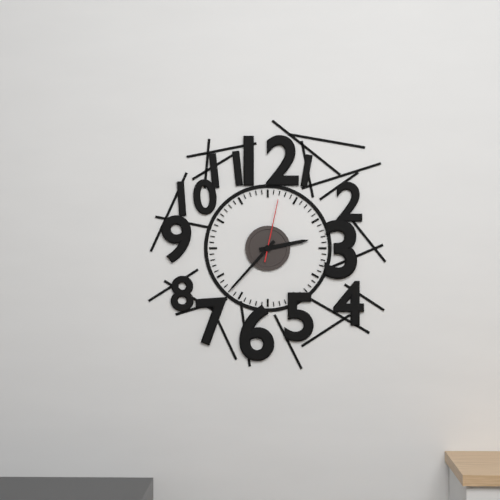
2:37:02
